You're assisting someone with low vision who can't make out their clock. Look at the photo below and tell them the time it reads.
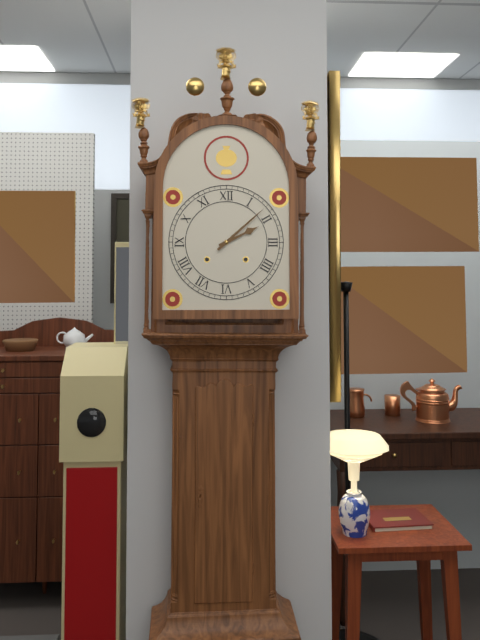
2:08
